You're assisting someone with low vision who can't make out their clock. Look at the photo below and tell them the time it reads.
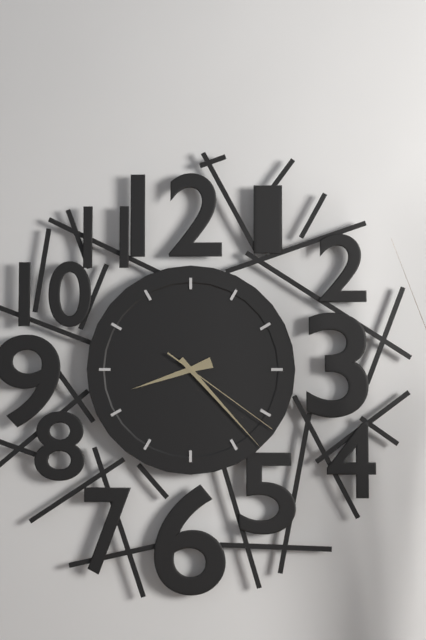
8:23:21
